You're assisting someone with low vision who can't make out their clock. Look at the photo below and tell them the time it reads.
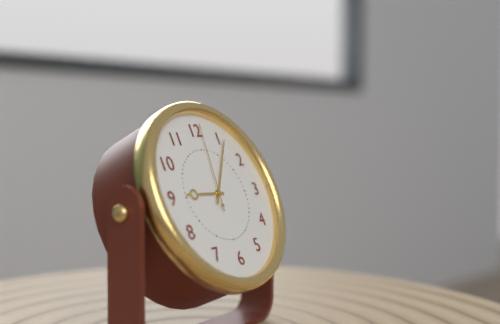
9:06:01
